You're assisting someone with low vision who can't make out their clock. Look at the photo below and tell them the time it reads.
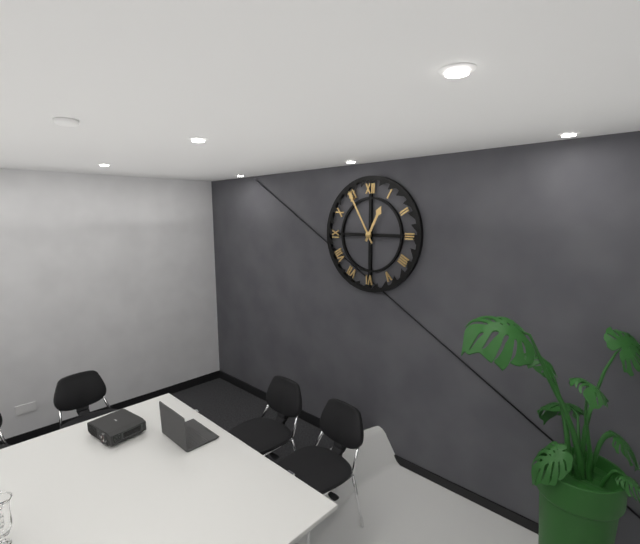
12:55
